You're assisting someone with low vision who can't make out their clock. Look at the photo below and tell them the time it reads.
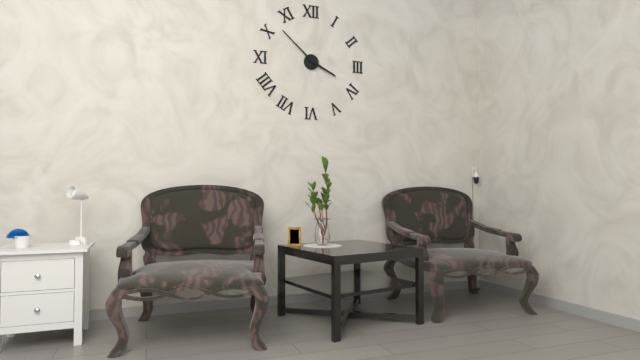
3:52
